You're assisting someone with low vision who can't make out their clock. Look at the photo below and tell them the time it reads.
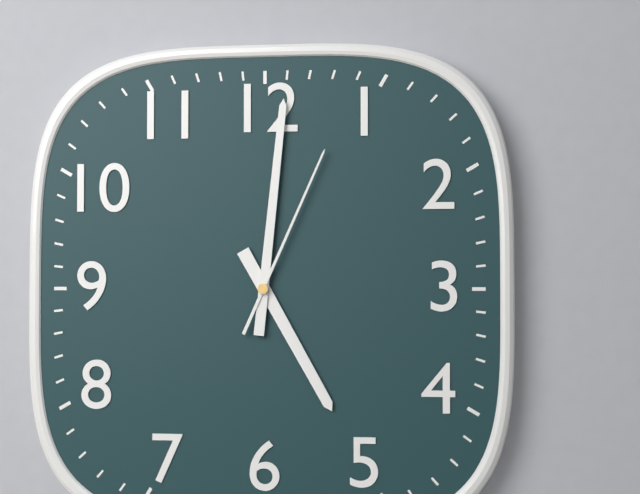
5:01:04
